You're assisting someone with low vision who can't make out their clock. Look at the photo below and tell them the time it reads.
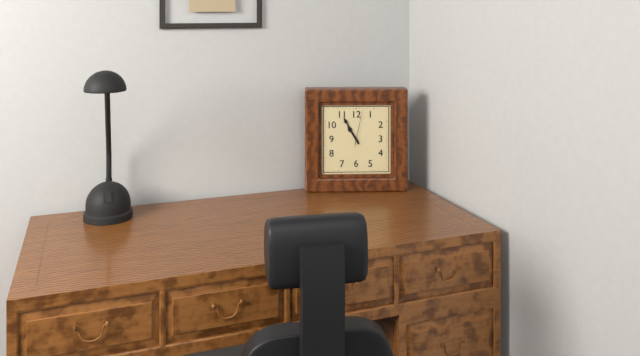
10:55
